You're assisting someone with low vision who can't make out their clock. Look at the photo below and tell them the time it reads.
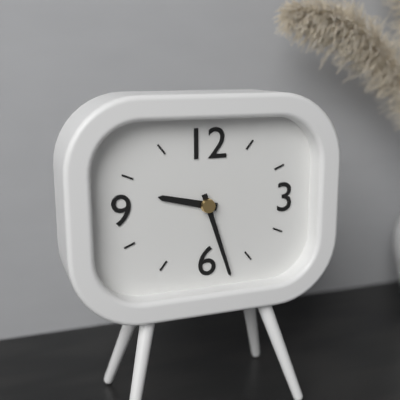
9:27
